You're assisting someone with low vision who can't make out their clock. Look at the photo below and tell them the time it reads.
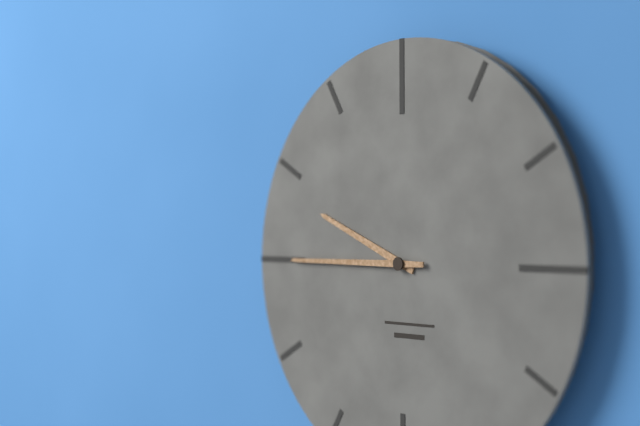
9:45
